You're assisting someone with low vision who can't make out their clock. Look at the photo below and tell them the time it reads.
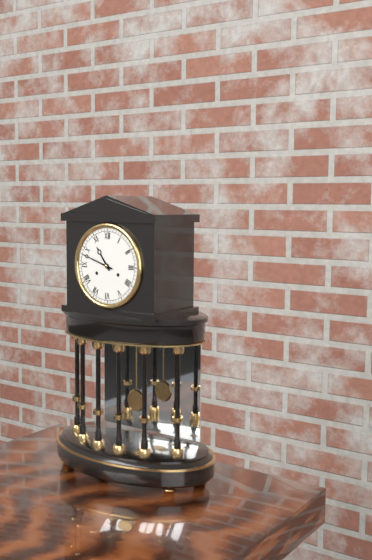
10:48
